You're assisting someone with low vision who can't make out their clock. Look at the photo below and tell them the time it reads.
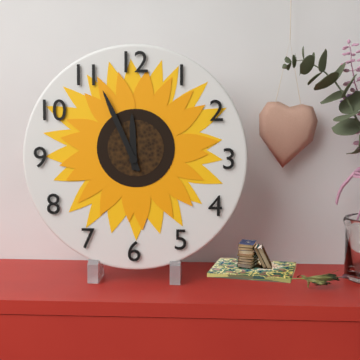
11:56
